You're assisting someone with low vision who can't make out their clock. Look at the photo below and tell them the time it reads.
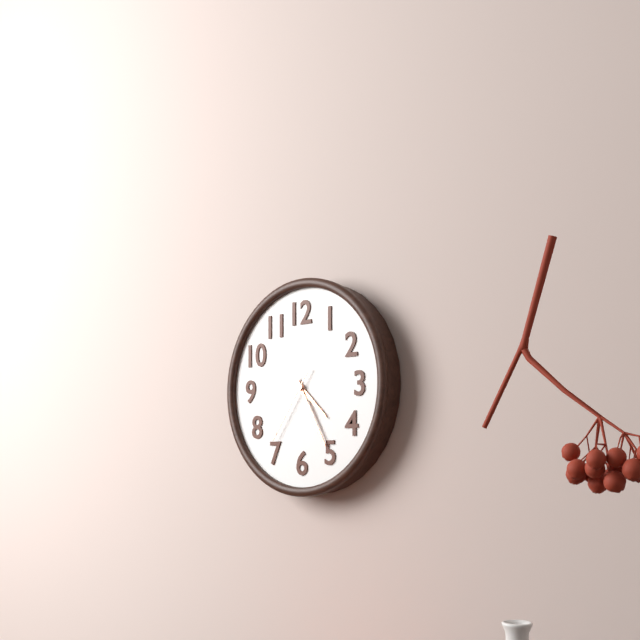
4:25:36
